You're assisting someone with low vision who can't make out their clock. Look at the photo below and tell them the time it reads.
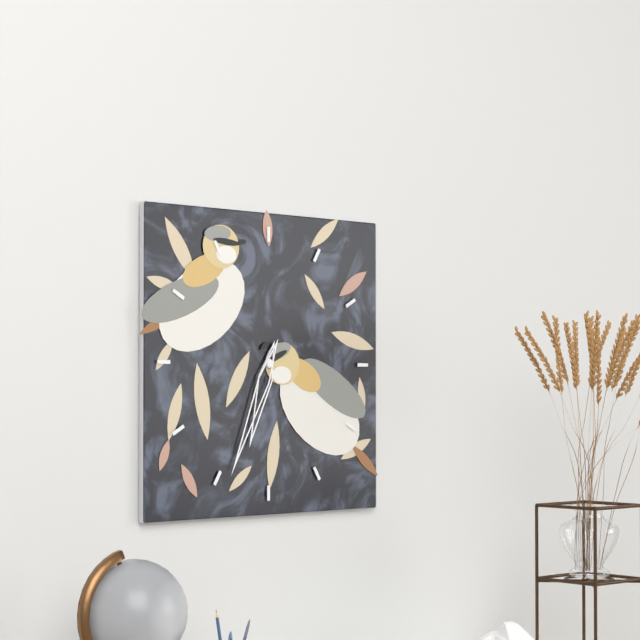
6:34
